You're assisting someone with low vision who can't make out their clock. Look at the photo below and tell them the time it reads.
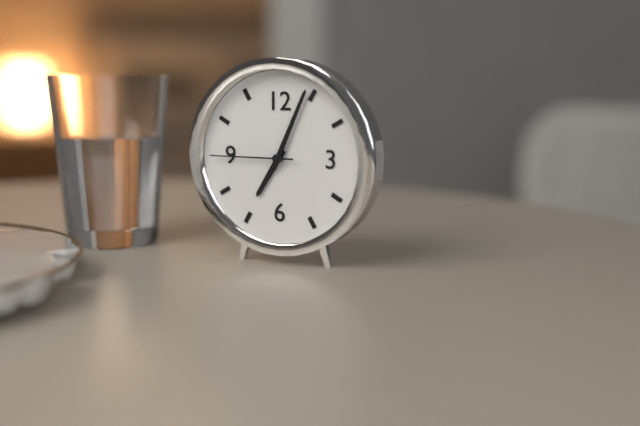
7:04:45
